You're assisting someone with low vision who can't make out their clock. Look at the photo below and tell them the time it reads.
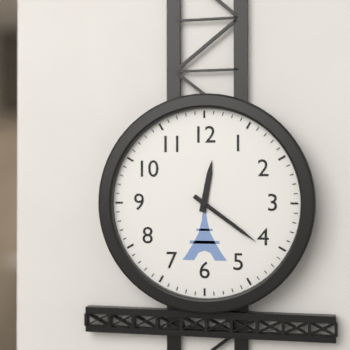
12:21
